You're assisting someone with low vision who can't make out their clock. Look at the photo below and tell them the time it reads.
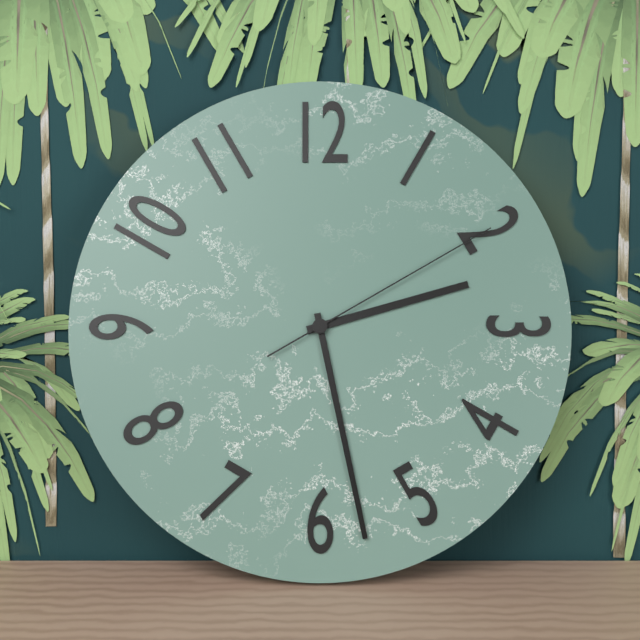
2:28:10
